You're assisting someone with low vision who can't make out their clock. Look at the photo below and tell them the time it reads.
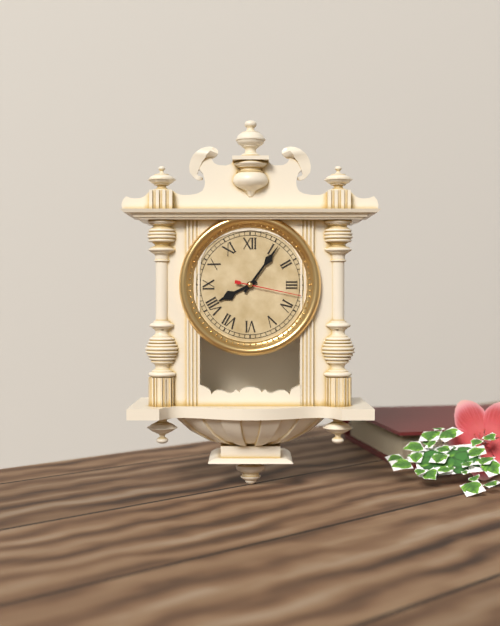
8:06:17
